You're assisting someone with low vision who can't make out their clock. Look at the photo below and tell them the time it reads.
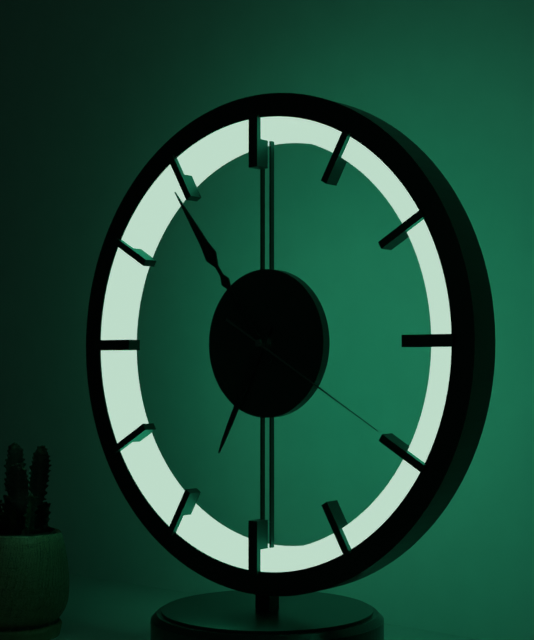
6:54:20
